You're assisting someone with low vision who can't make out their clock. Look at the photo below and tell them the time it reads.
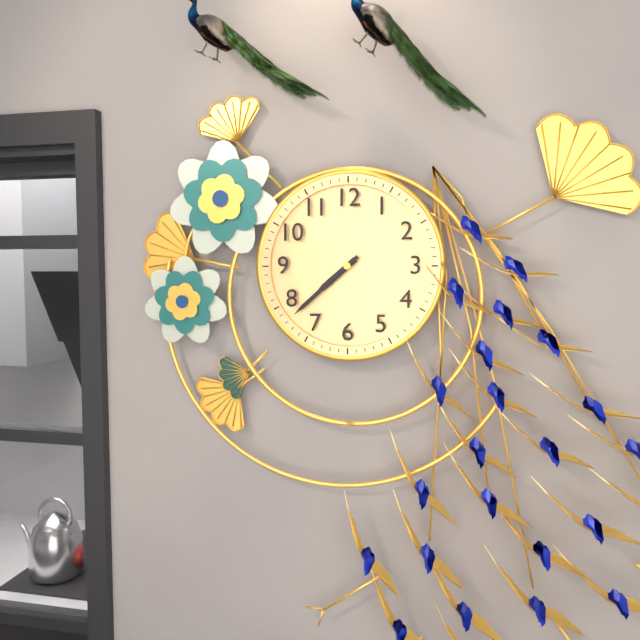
7:38
